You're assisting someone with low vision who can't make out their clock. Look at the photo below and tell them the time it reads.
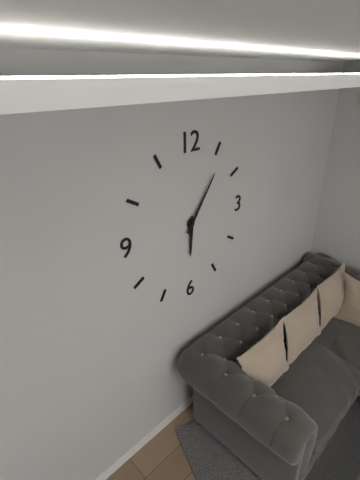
6:06
